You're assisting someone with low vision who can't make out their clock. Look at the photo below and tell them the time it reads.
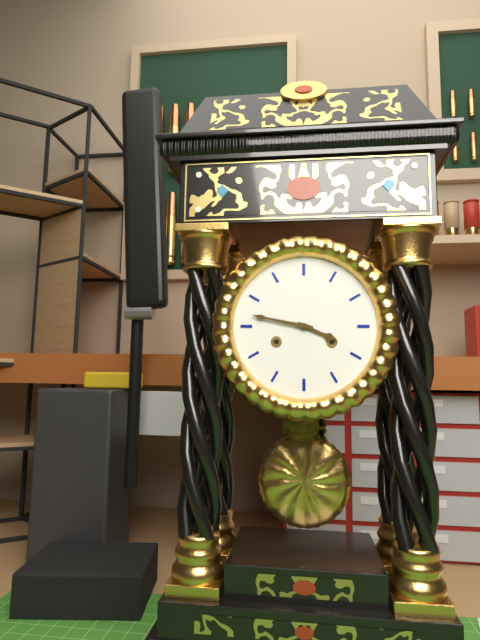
3:47
